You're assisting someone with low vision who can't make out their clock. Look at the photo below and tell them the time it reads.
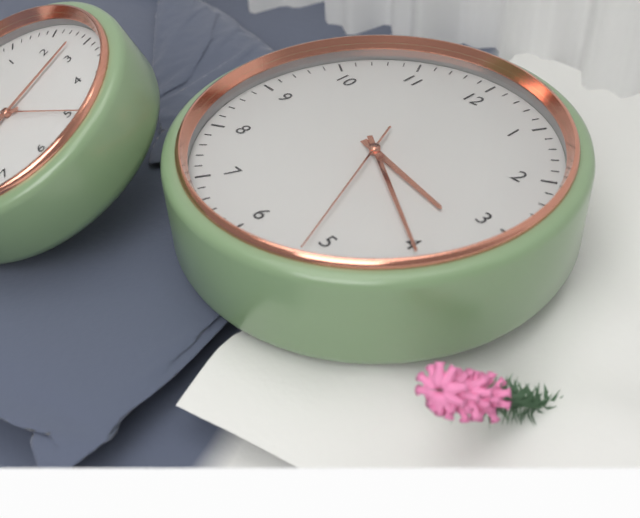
3:20:26
